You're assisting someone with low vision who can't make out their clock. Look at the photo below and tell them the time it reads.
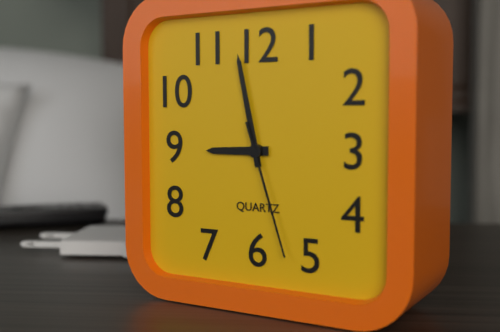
8:58:27
